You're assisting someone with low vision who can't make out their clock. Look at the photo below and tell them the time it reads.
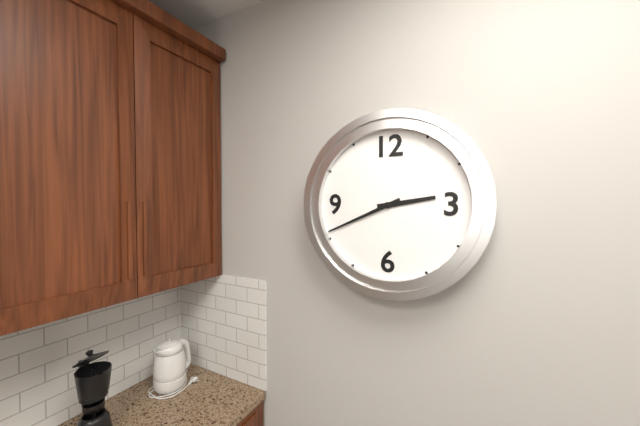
2:41
